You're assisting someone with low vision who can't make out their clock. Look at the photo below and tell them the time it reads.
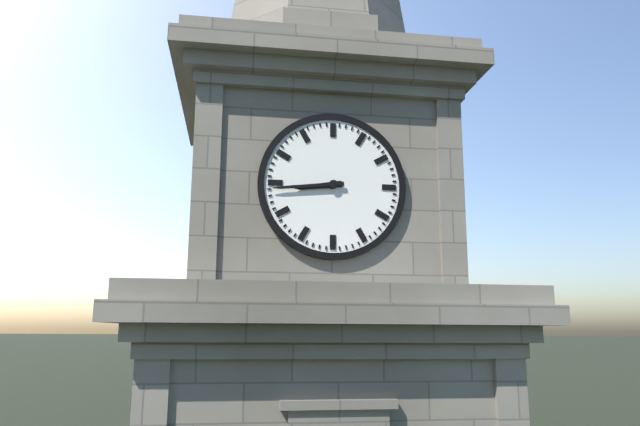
8:44
